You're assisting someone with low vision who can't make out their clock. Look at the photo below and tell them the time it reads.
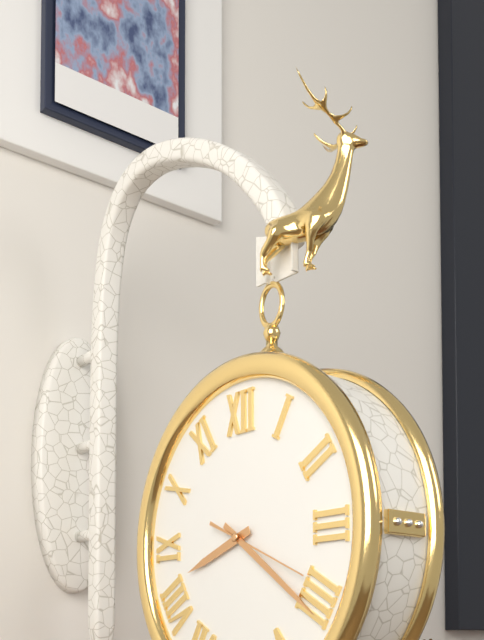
8:21:19
